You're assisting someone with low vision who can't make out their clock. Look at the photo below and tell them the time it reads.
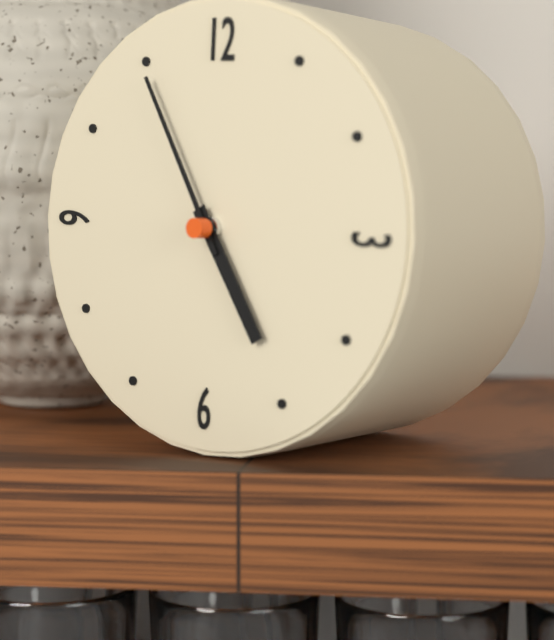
4:55
